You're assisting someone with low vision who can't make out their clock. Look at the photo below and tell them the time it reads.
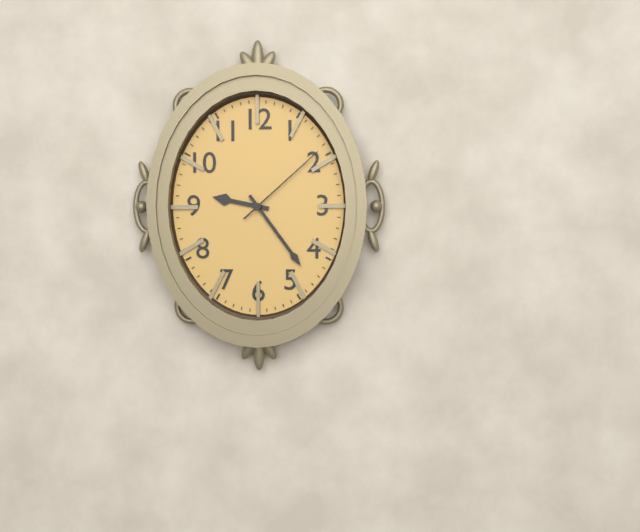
9:24:08
